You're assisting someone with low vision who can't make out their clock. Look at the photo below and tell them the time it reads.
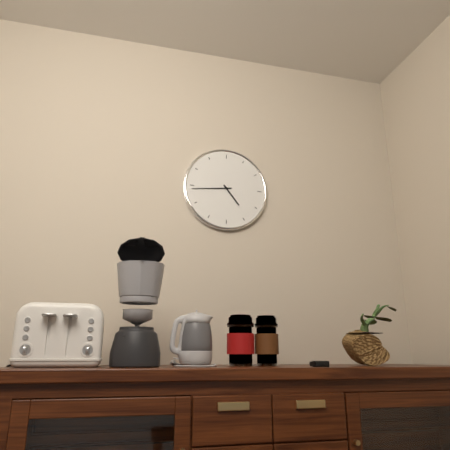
4:44
